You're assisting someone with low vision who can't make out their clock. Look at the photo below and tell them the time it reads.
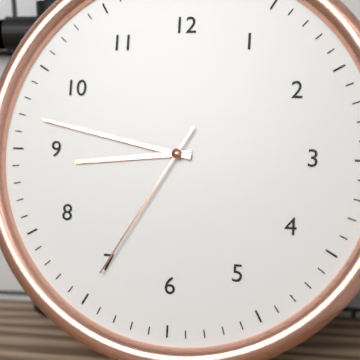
8:47:35
